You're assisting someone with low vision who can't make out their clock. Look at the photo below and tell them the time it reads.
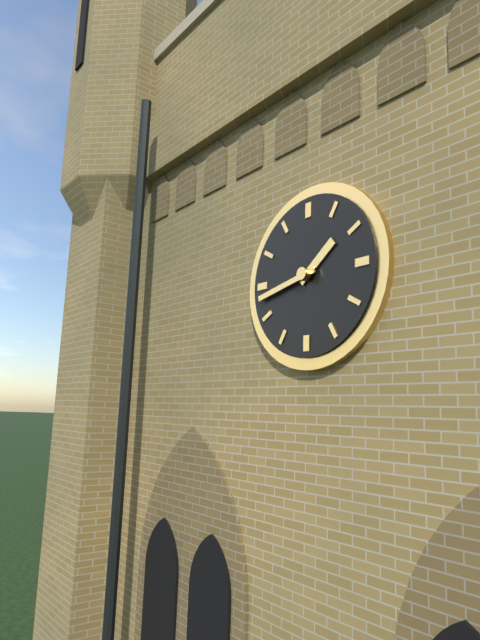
1:43
